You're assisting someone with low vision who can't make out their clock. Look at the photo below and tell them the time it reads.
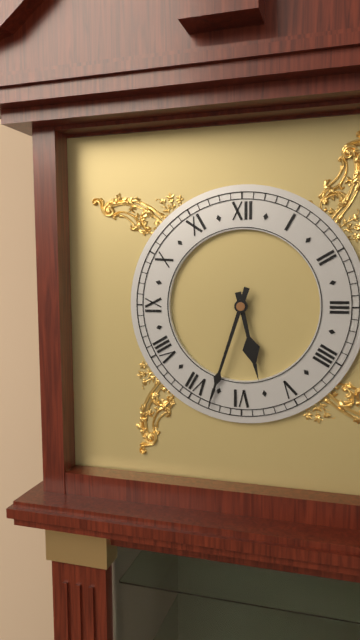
5:33
